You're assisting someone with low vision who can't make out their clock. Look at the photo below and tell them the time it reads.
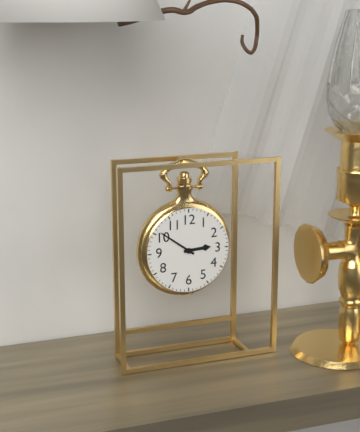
2:51
